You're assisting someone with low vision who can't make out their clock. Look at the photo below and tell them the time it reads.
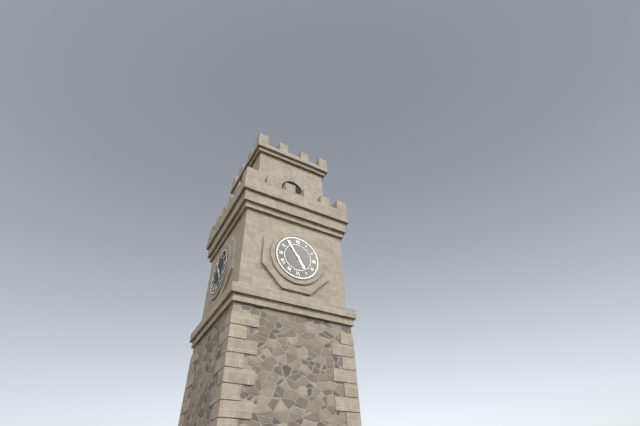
4:54
